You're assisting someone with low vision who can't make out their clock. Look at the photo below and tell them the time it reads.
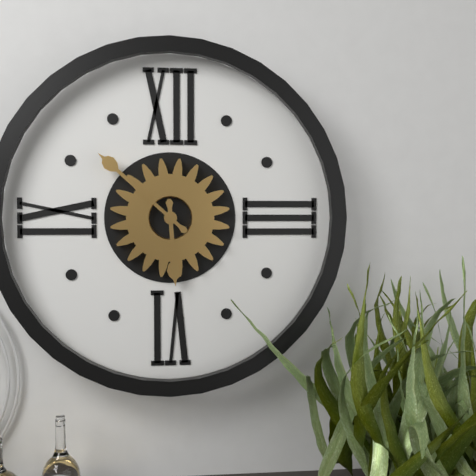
5:52
